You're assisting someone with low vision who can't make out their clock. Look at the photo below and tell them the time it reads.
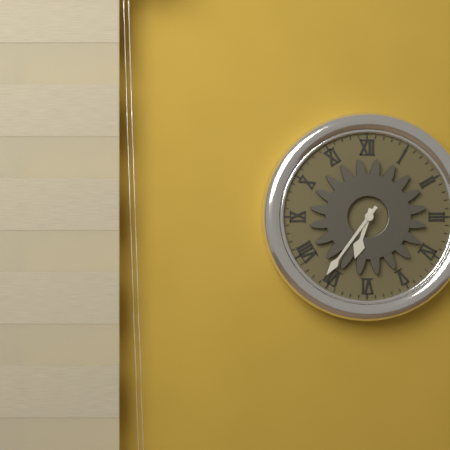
6:36
